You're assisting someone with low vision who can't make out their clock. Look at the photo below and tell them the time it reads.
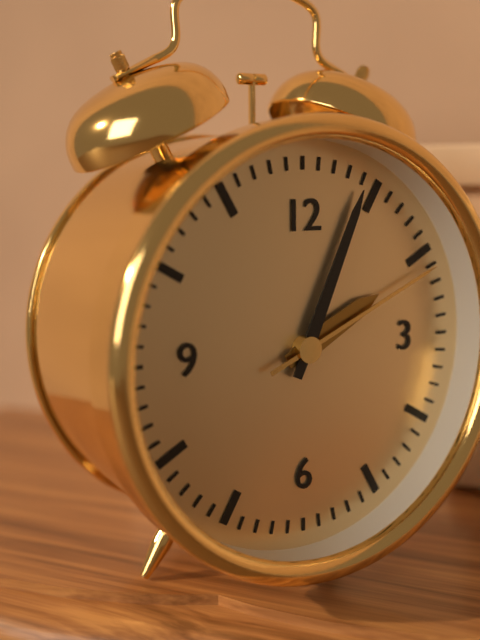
2:04:11
